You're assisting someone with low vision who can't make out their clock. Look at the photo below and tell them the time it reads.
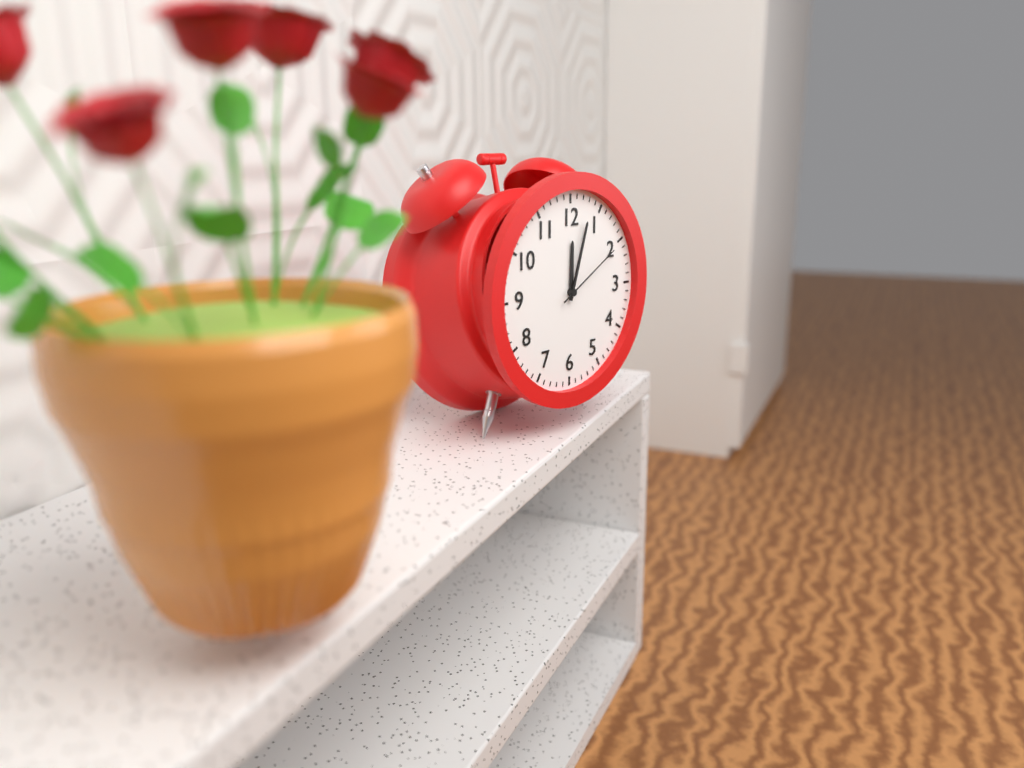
12:03:10
